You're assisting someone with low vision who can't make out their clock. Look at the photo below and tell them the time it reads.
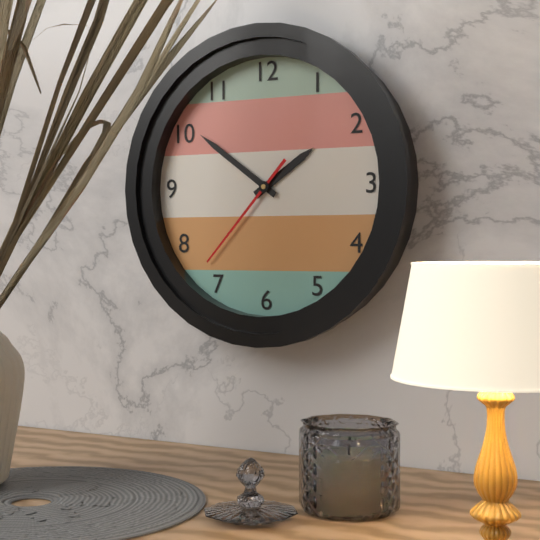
1:51:37
